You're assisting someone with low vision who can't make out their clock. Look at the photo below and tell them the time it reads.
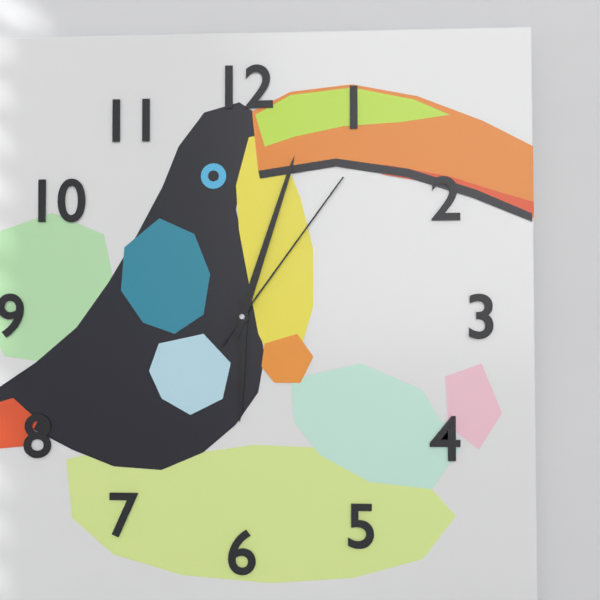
6:03:06
